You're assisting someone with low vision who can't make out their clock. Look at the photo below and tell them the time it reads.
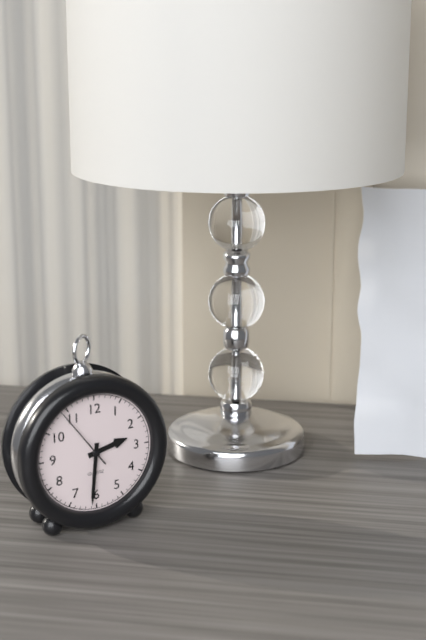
2:31:54
